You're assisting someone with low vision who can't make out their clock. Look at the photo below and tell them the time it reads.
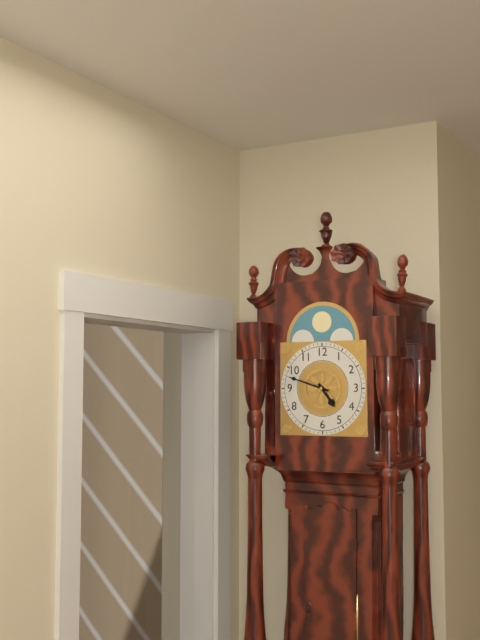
4:48
